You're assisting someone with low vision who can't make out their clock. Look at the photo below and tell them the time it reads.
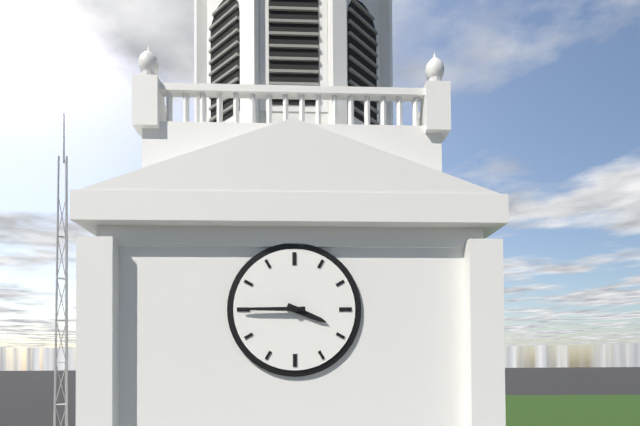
3:45
